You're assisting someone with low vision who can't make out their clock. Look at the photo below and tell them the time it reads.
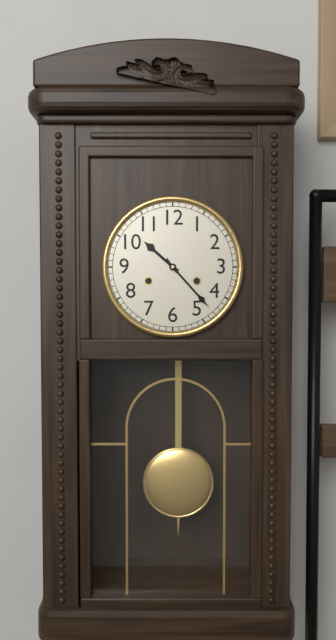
10:23
